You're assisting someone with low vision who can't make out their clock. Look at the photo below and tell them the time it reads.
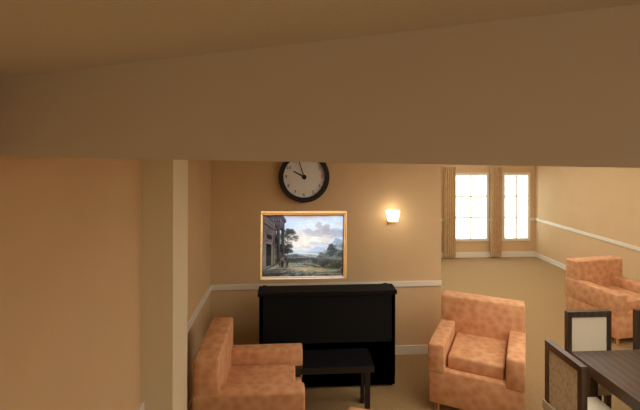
9:57
